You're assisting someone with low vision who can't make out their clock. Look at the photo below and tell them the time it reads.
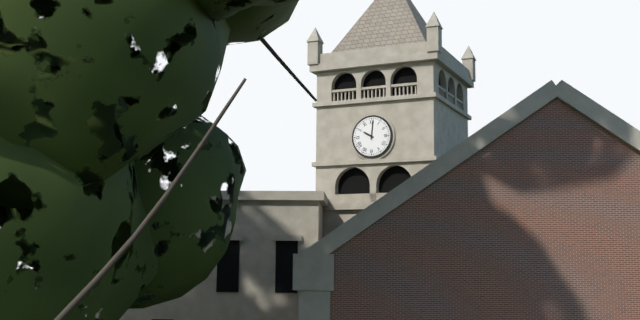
10:01
